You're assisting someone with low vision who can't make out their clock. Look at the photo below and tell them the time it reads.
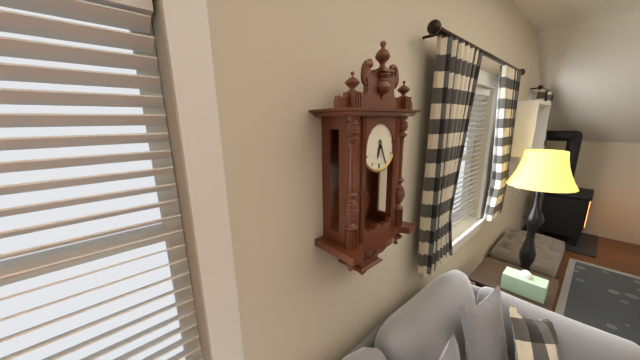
6:26
